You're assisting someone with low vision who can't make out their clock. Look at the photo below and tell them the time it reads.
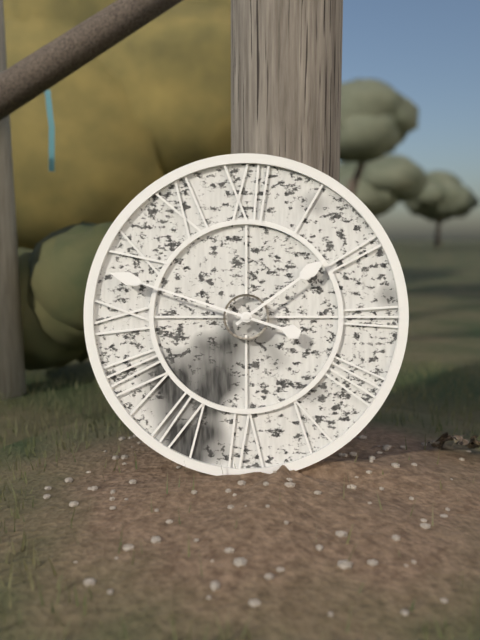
1:48
